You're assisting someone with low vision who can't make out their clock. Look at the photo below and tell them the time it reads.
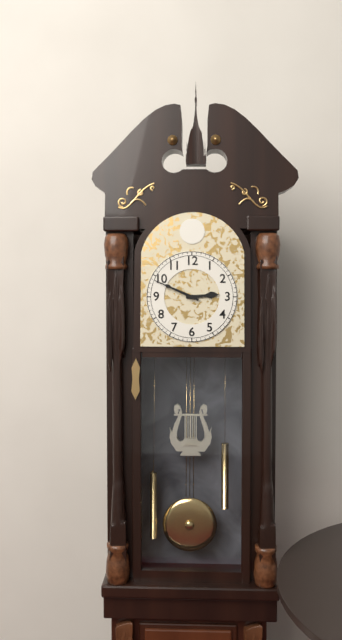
2:49
